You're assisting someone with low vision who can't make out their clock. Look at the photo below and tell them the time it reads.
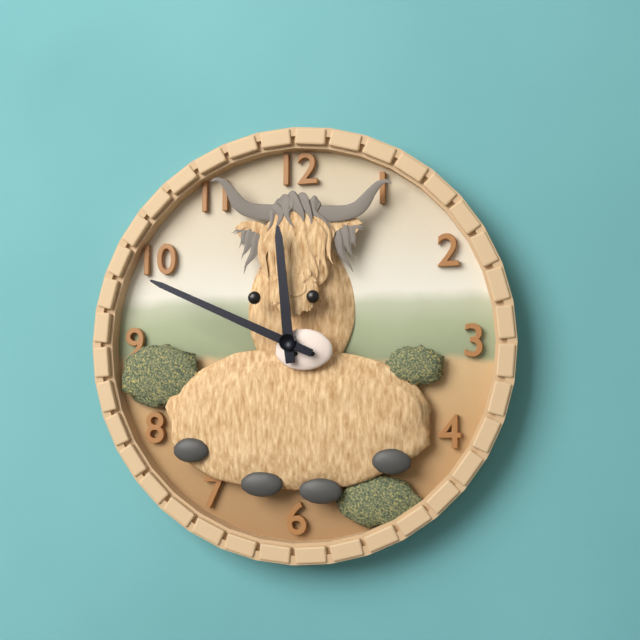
11:49
